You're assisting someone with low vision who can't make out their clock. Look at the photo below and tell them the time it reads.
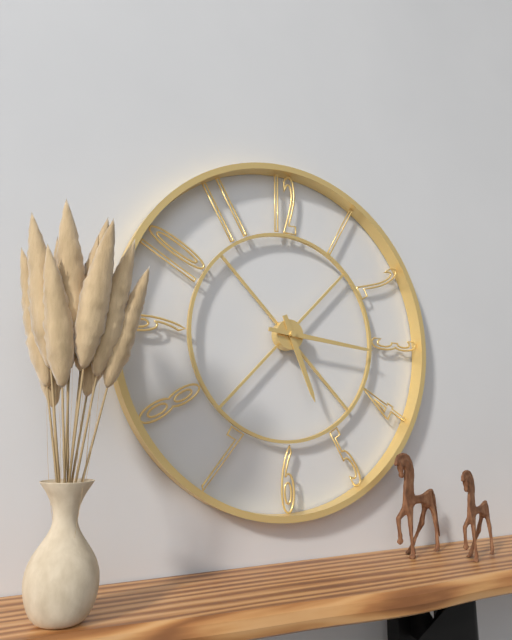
5:16
